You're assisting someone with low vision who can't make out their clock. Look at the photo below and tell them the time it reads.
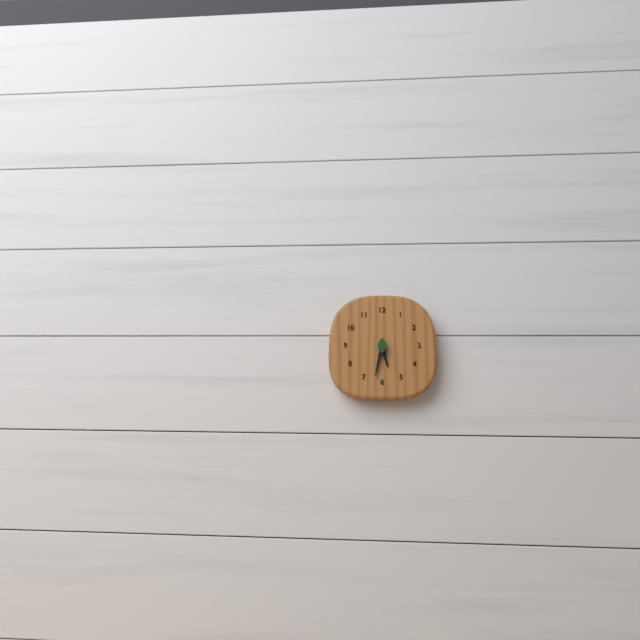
5:32
